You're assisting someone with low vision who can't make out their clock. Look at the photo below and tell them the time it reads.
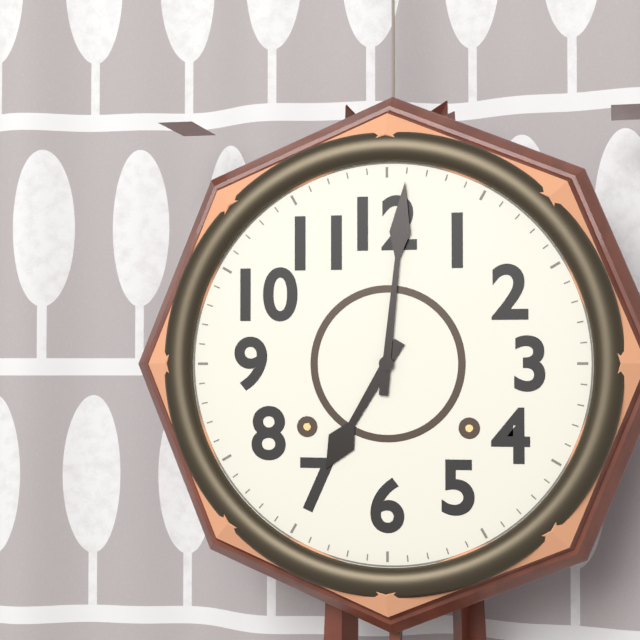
7:01
